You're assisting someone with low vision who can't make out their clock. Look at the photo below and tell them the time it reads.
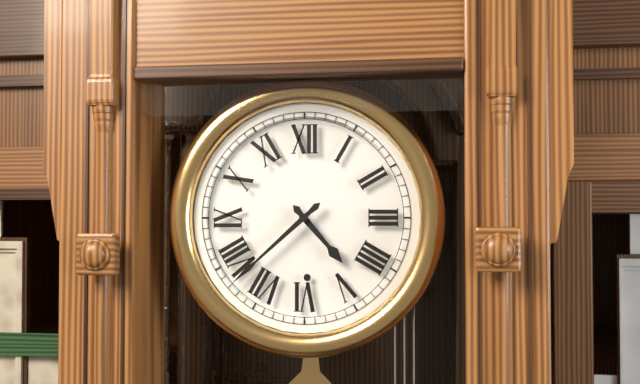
4:38
